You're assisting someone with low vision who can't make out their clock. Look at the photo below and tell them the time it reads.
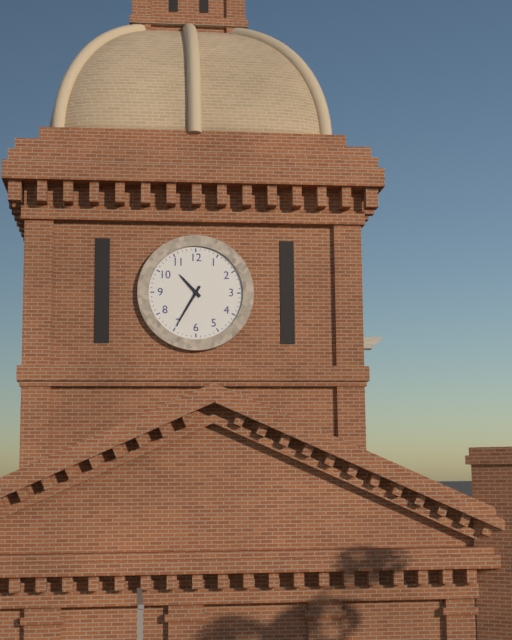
10:35
